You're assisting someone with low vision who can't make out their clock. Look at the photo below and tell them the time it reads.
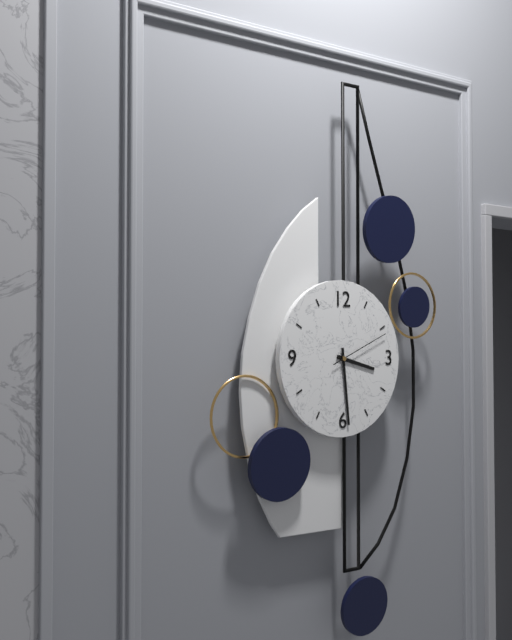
3:29:11
